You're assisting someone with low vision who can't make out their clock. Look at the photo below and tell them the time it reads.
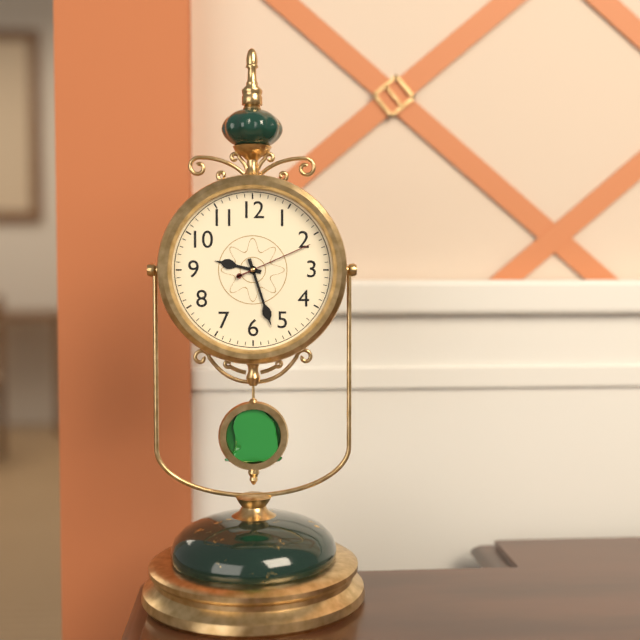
9:27:11
